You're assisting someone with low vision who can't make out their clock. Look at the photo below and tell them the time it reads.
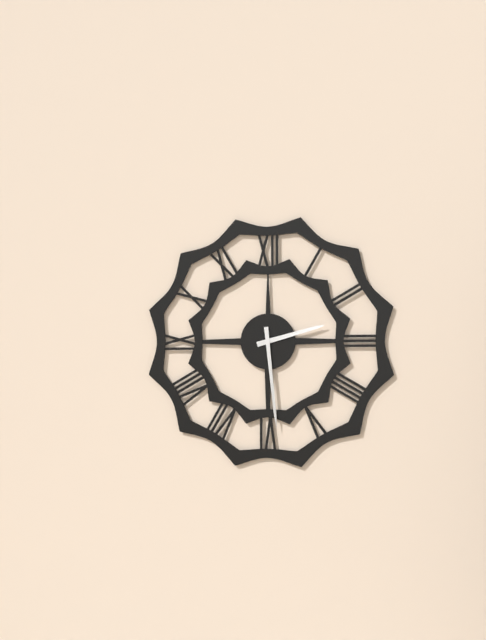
2:29
